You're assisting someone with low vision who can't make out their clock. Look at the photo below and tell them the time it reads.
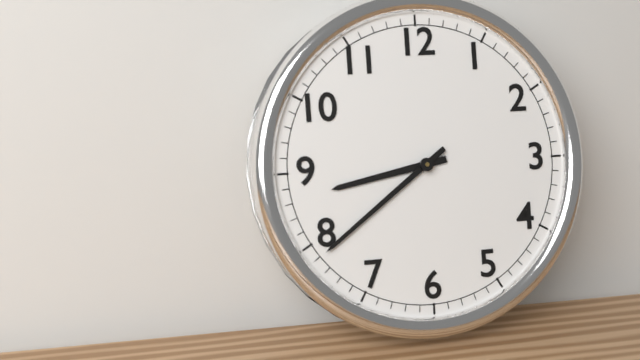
8:39
